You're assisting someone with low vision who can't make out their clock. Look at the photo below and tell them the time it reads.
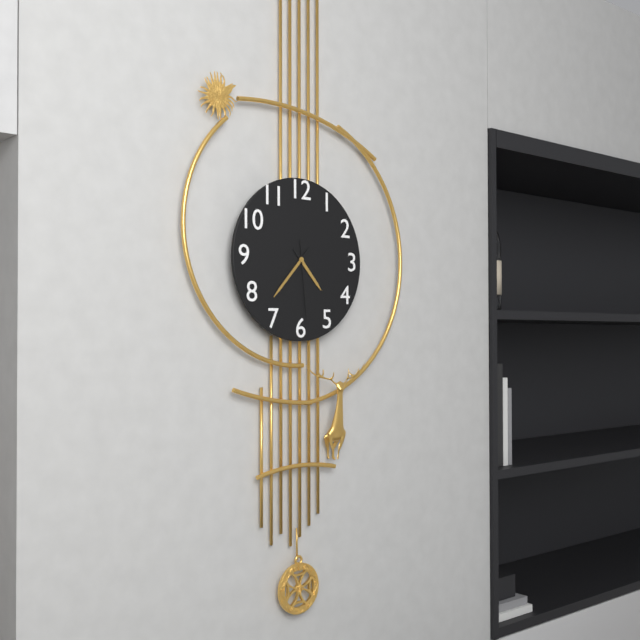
4:37:29
